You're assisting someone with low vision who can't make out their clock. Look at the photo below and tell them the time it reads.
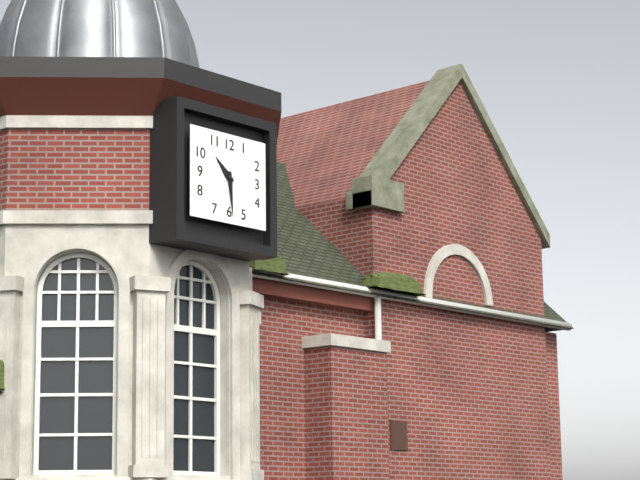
10:29
